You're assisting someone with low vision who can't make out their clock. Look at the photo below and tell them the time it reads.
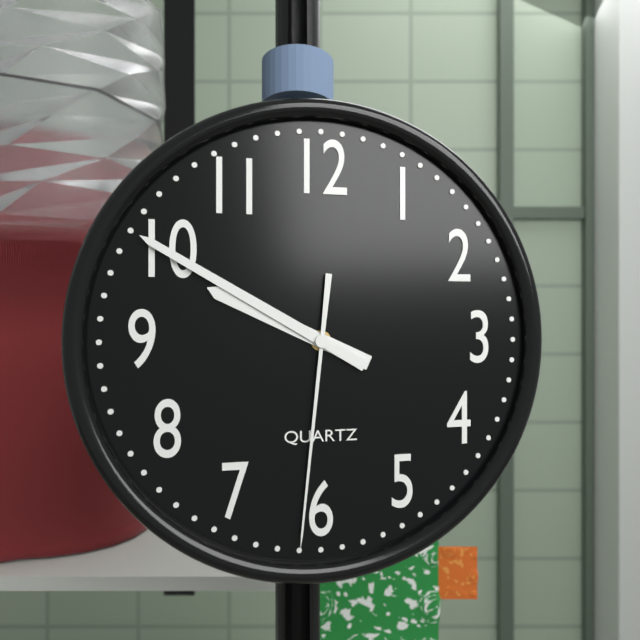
9:50:31
